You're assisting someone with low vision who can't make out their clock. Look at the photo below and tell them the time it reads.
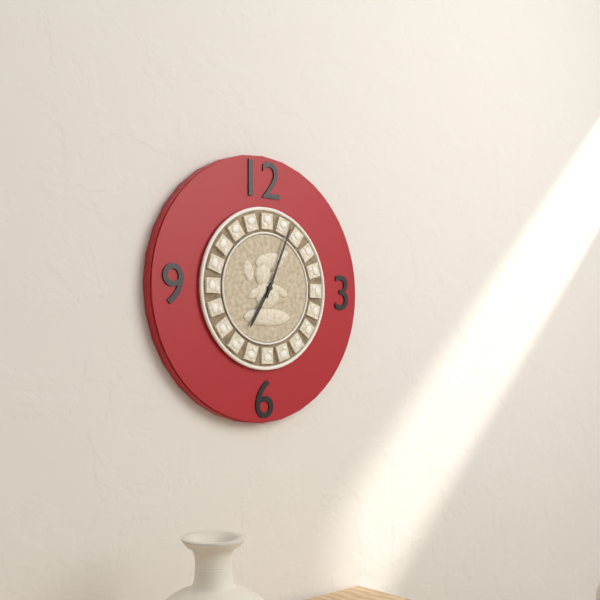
7:04
